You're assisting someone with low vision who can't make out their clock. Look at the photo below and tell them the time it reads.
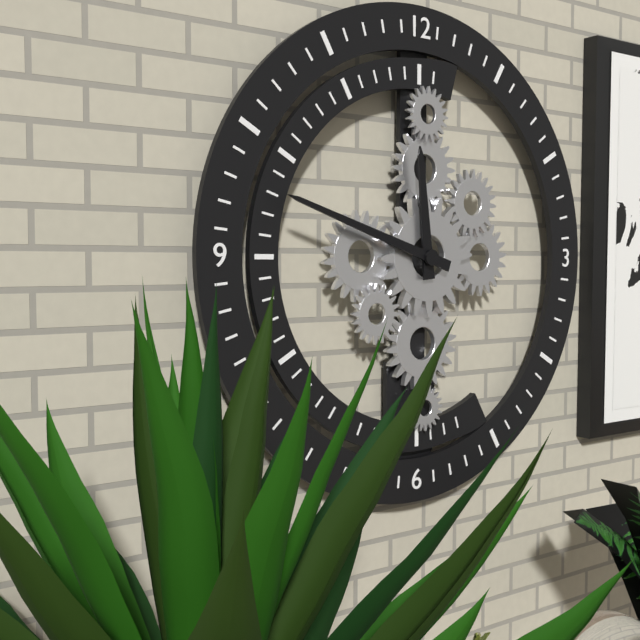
11:48
